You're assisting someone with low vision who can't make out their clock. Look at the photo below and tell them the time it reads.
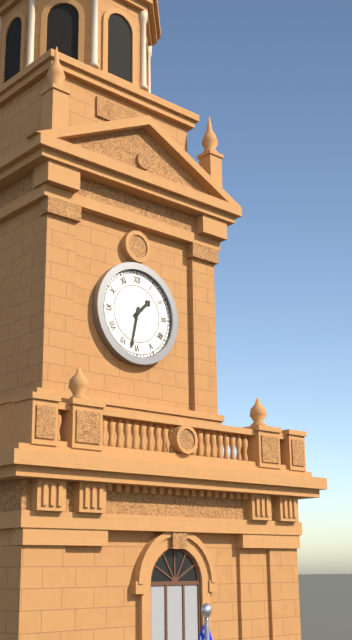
1:32
